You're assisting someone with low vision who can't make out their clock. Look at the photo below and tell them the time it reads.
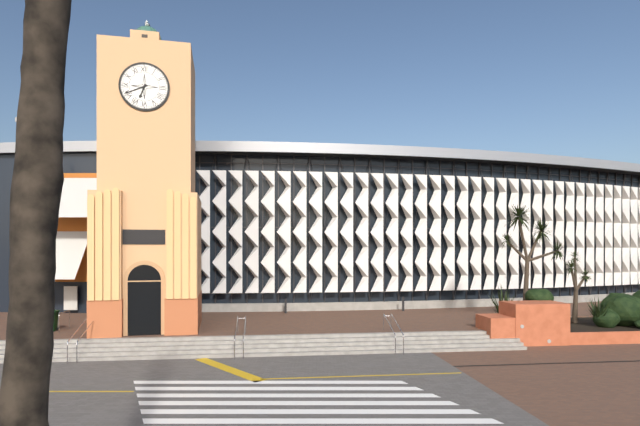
6:41
